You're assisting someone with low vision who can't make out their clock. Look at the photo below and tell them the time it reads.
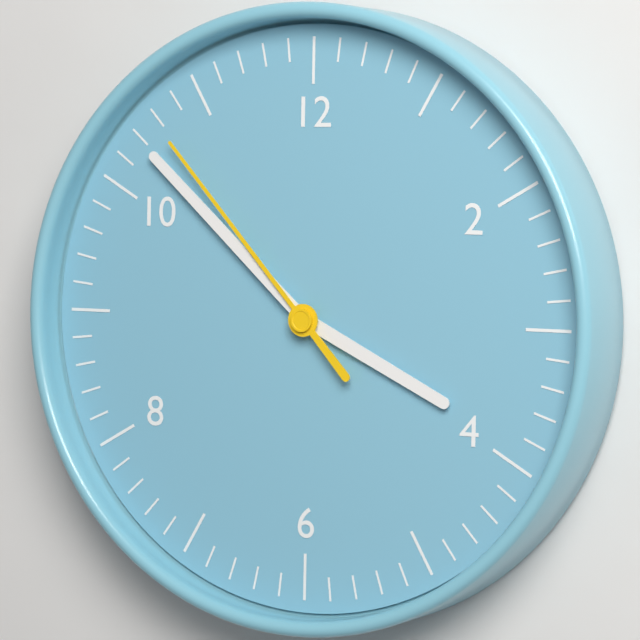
3:52:53
